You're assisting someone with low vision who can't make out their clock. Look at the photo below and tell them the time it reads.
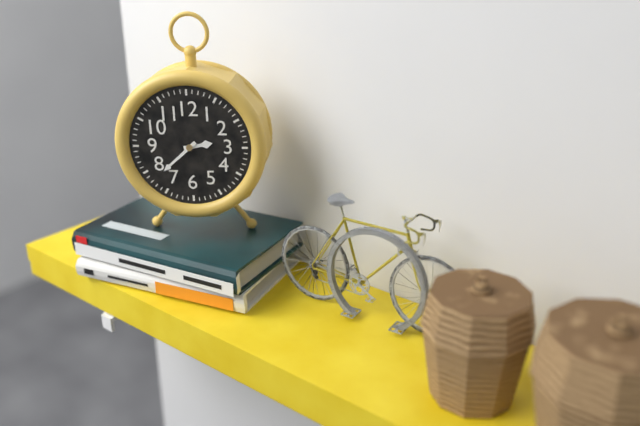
2:38
